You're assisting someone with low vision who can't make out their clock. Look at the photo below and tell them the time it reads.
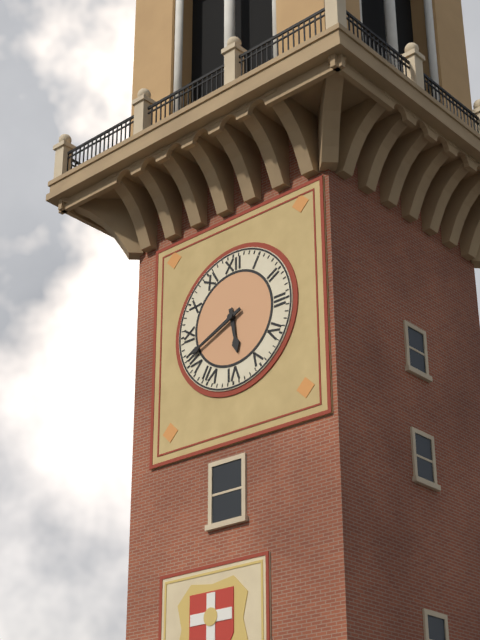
5:41
